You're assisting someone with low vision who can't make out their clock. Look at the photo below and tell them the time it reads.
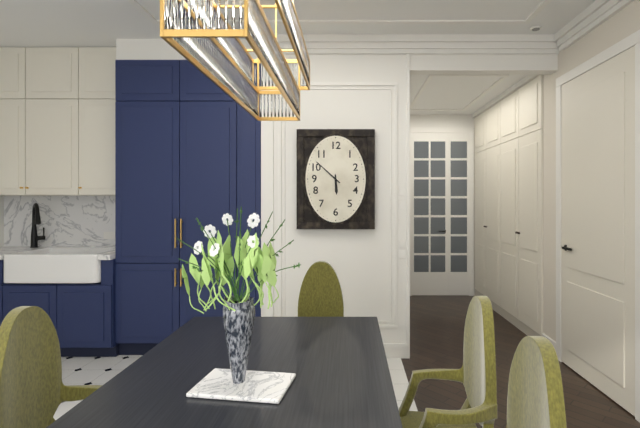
5:52
